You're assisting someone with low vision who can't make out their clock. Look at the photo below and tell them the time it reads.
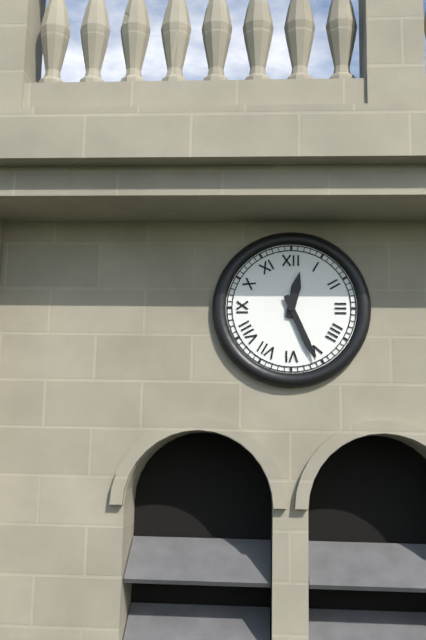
12:26
